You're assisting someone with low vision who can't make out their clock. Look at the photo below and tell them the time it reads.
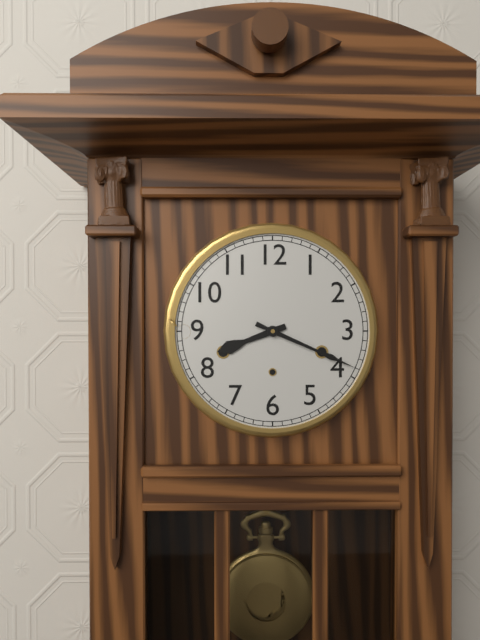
8:19
